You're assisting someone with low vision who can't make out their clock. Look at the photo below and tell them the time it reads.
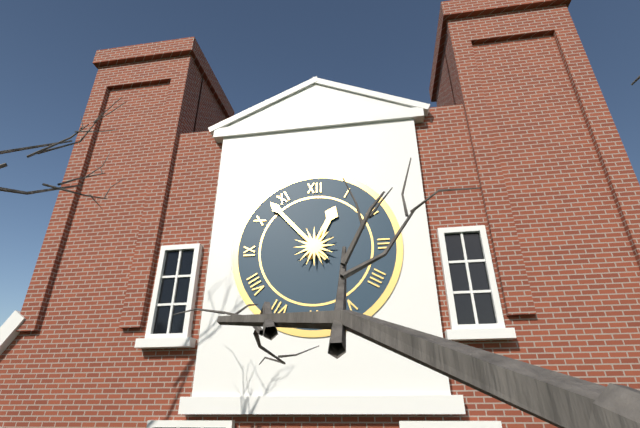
12:53
